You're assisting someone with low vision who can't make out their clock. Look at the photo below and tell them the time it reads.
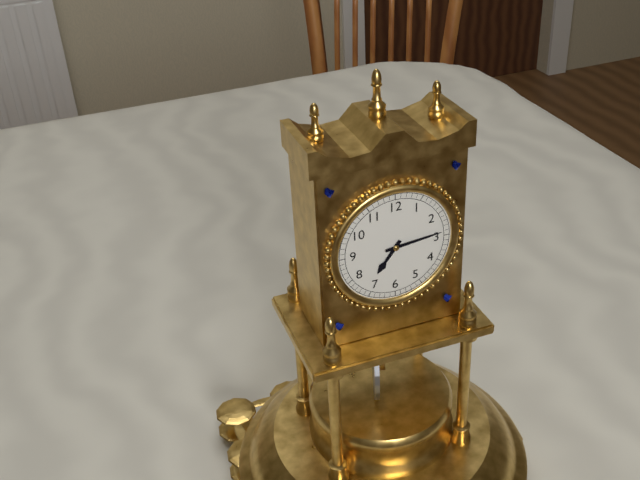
7:14
